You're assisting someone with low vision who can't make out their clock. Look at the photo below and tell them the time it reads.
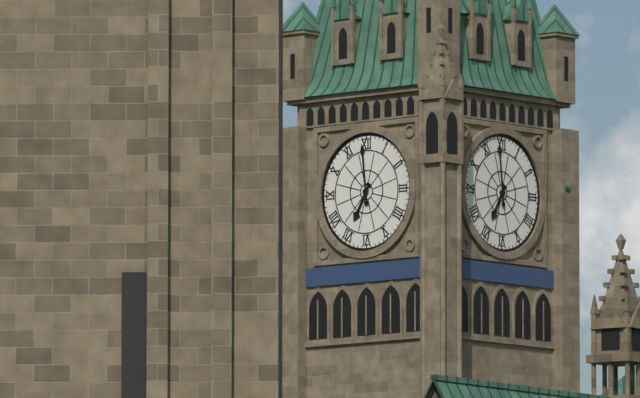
6:59
